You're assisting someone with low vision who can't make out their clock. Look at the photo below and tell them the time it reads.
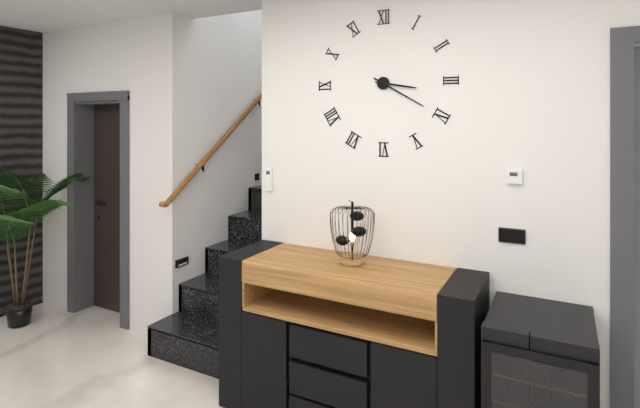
3:20
